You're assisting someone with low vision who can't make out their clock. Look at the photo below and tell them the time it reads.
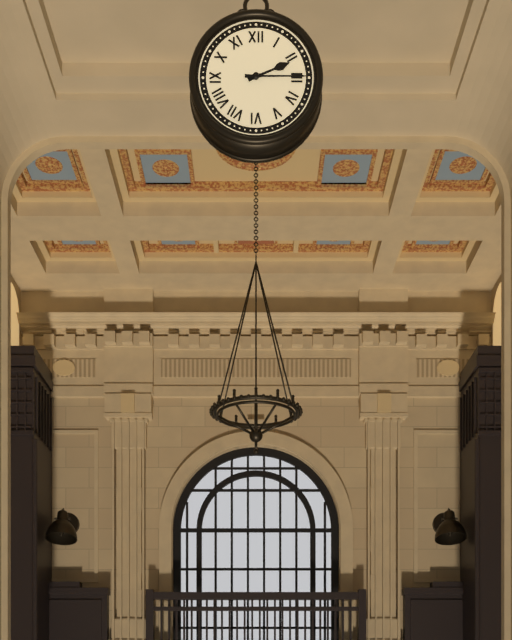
2:15
